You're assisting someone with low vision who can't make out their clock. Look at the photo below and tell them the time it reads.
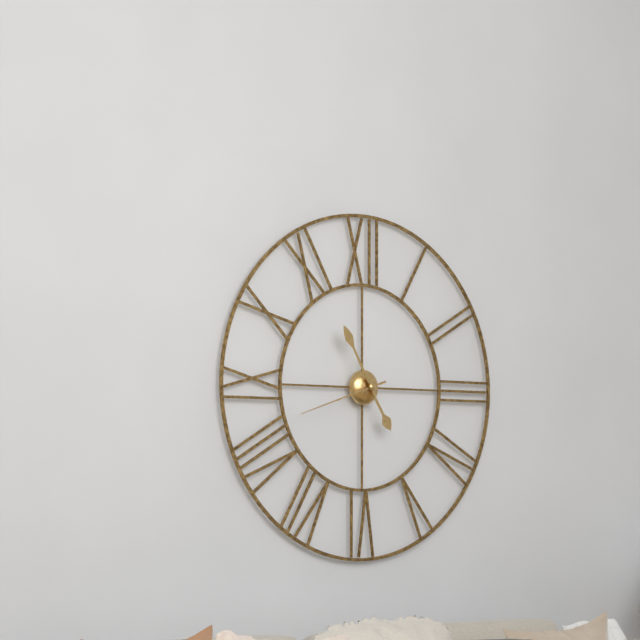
4:55:42
